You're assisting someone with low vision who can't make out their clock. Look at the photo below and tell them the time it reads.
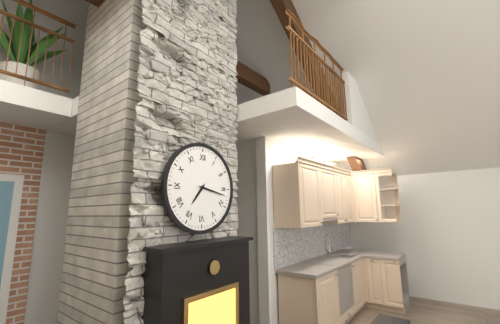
7:17
